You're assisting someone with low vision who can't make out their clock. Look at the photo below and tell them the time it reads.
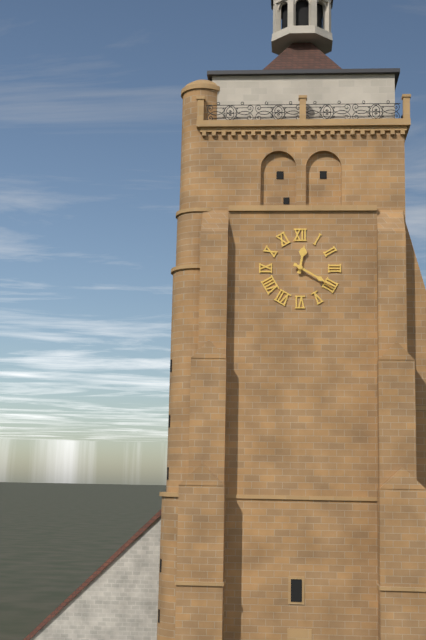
12:20
